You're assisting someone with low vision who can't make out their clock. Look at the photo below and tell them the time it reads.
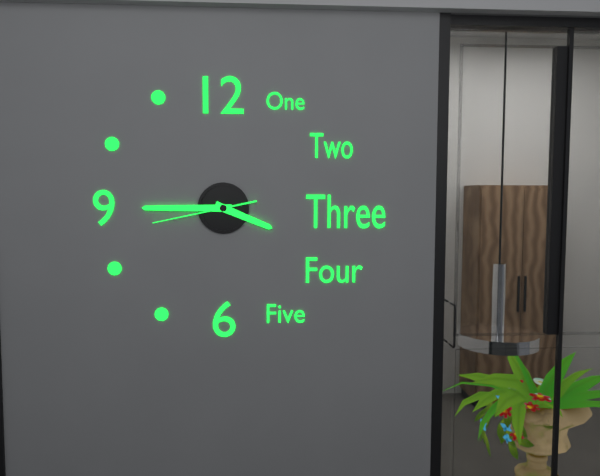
3:45:43
